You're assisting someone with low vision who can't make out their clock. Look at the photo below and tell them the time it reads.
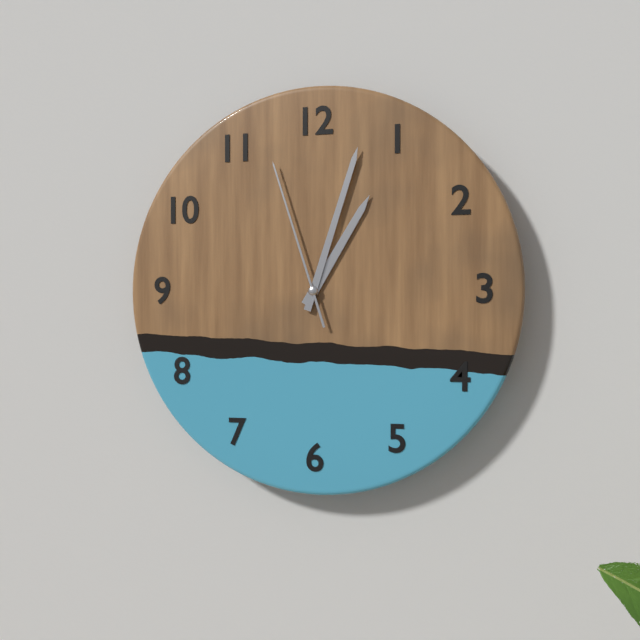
1:03:57
